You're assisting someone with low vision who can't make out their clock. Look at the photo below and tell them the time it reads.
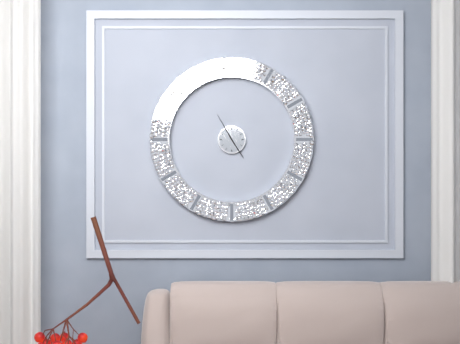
4:55
